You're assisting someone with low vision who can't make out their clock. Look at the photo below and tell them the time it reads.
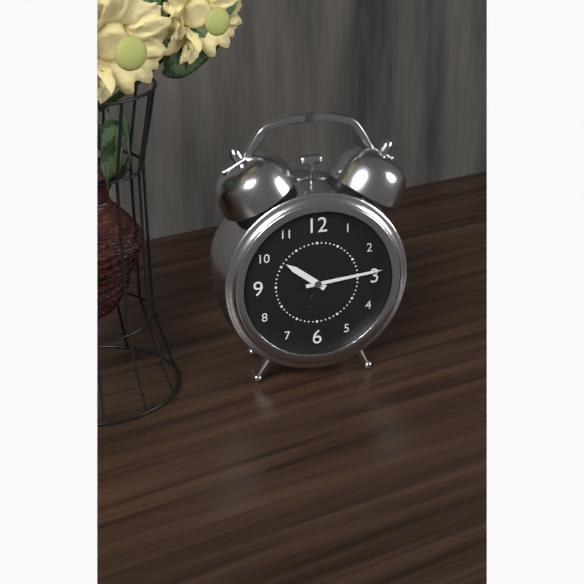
10:14
